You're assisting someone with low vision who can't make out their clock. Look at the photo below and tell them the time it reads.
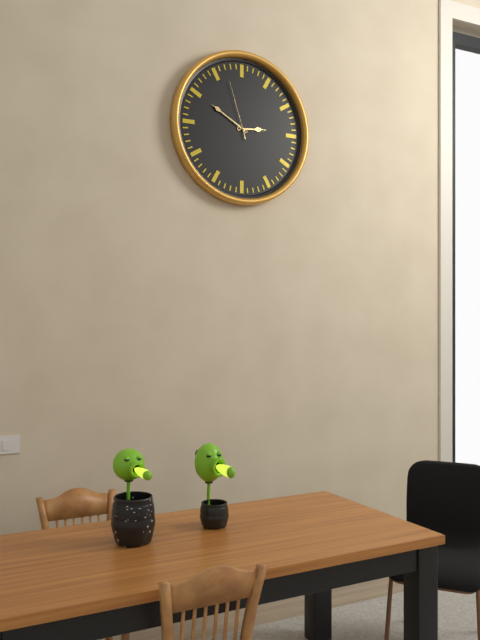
2:50:57
